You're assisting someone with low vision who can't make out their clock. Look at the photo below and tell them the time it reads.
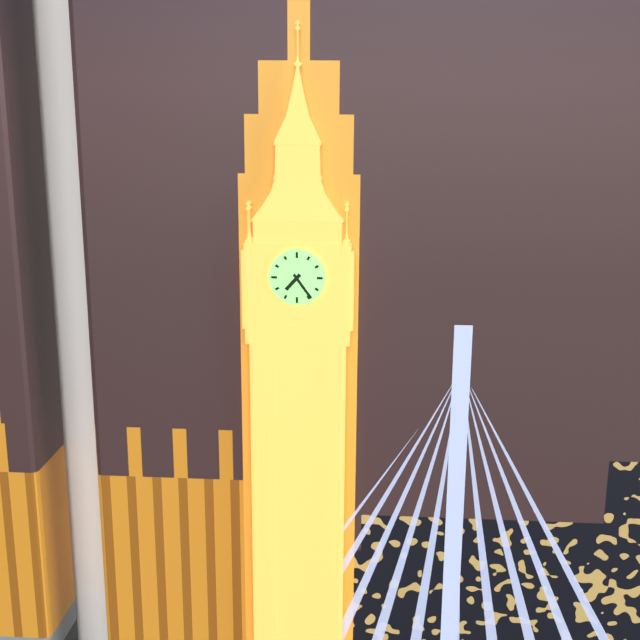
7:24
